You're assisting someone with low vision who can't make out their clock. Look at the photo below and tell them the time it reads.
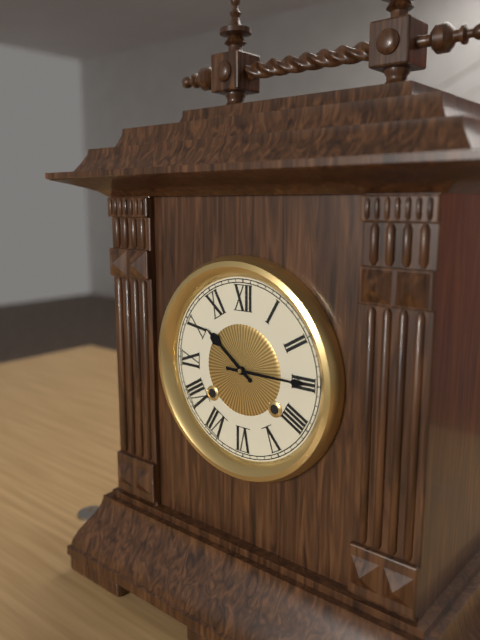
10:15
